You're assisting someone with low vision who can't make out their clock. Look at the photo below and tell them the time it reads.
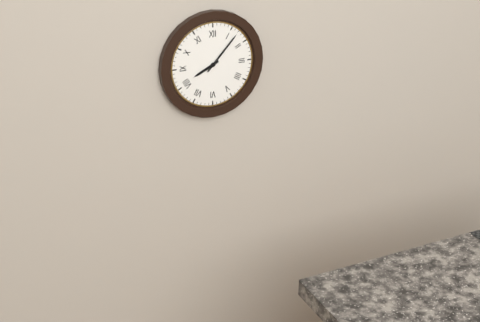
8:07
